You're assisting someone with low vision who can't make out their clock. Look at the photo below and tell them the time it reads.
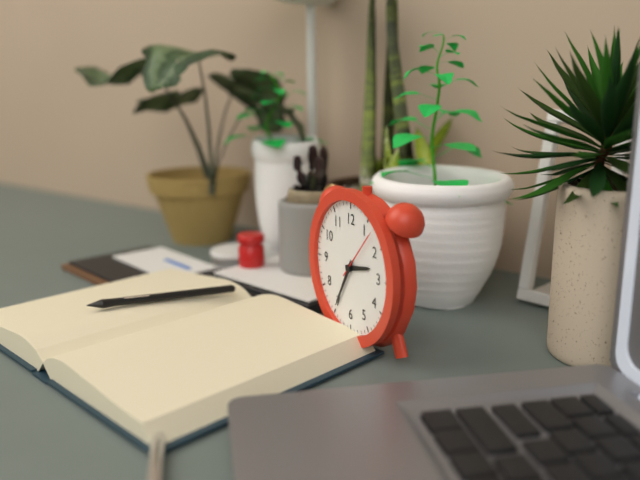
2:35:07
